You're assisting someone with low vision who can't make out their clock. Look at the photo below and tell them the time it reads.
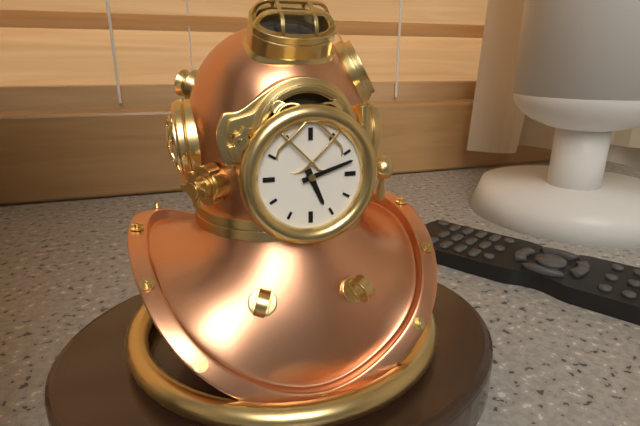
5:12
